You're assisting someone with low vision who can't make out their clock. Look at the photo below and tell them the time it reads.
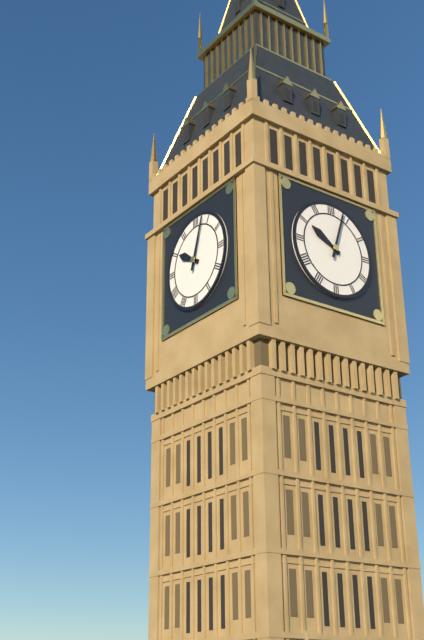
10:03
